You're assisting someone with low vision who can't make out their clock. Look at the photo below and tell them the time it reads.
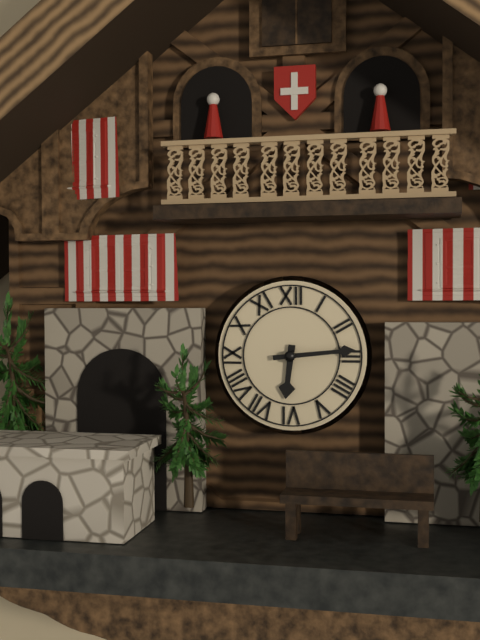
6:14
